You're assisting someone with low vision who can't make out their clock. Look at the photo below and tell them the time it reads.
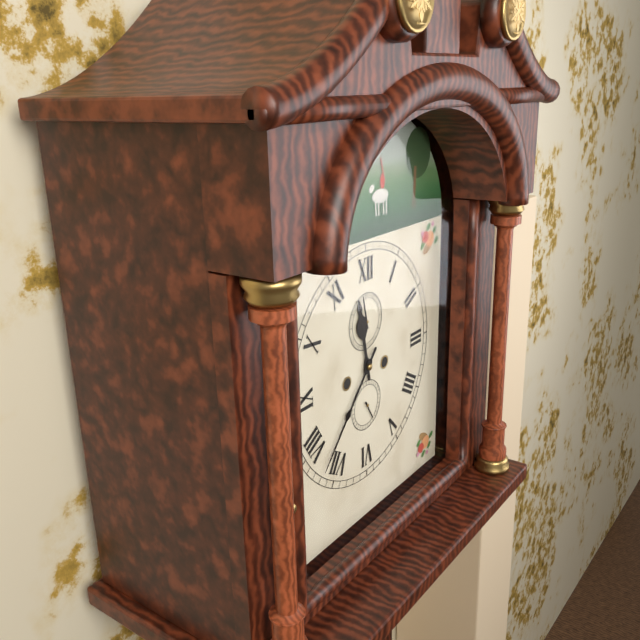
11:37
